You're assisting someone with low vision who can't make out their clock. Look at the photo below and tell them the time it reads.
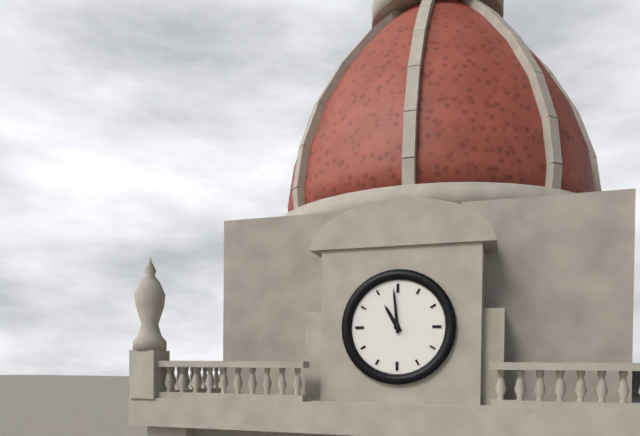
10:59
